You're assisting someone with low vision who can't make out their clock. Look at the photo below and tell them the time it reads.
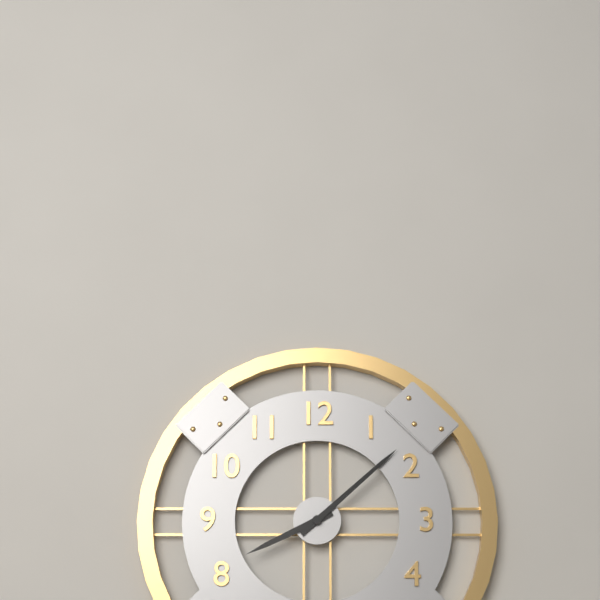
8:08
